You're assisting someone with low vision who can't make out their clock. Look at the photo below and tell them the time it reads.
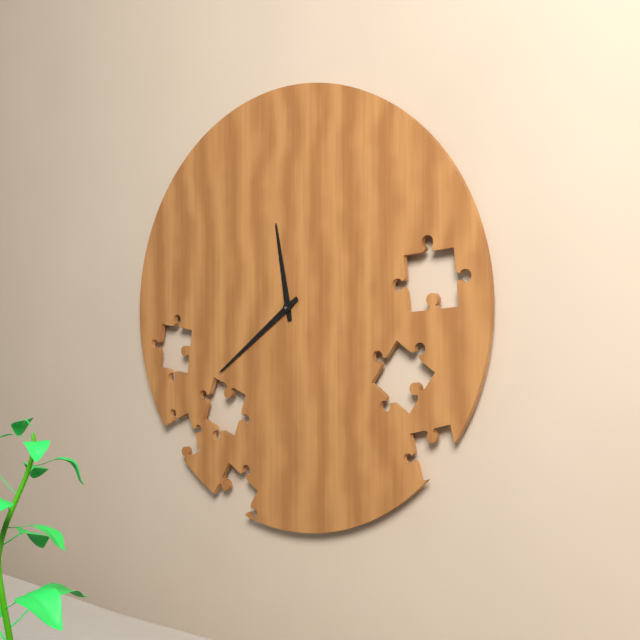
11:39
